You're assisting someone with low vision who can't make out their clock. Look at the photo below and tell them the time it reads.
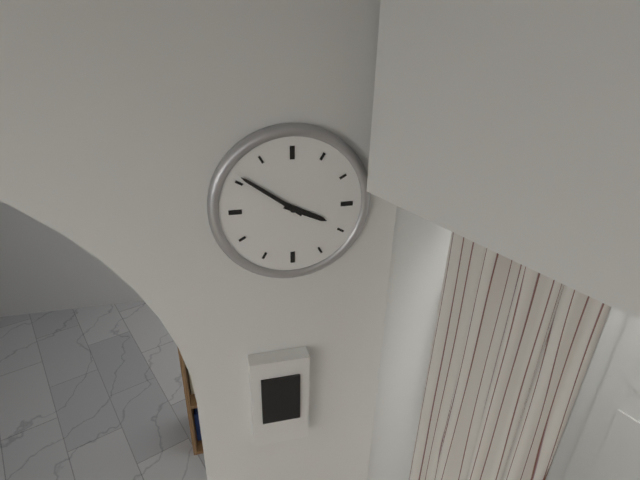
3:51
